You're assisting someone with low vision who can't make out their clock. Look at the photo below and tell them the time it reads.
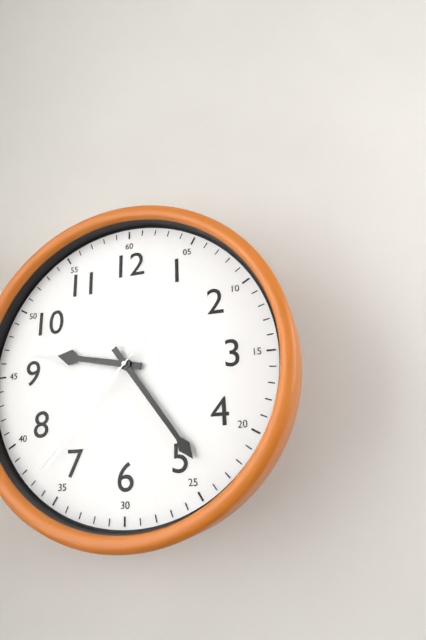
9:24:37
